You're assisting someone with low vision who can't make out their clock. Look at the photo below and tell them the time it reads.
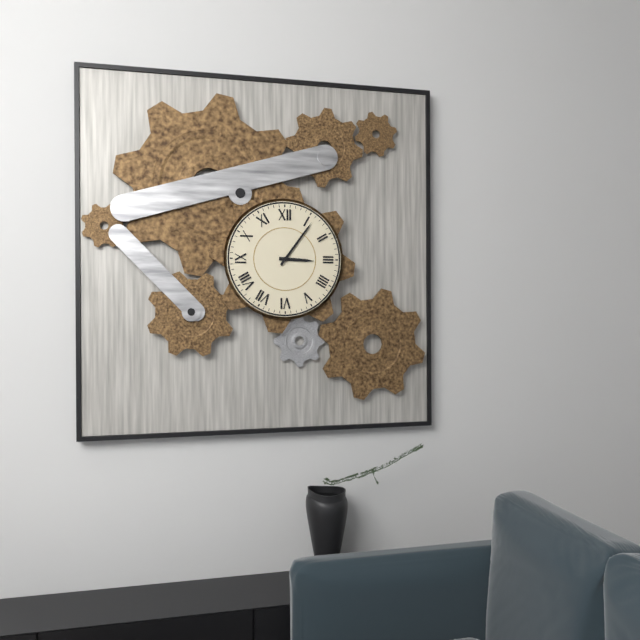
3:06
